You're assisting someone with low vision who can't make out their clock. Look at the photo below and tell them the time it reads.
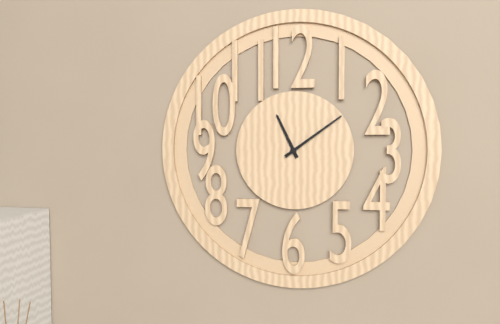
11:09
